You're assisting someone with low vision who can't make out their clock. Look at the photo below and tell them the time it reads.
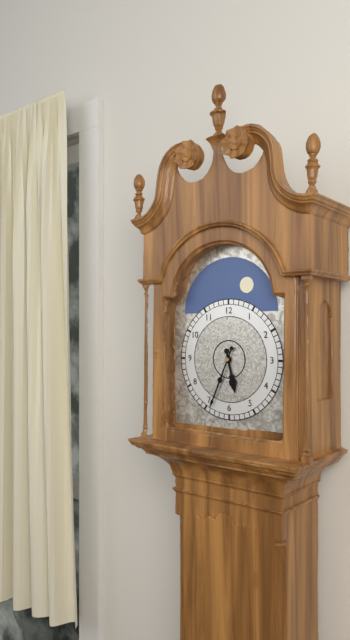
5:34
